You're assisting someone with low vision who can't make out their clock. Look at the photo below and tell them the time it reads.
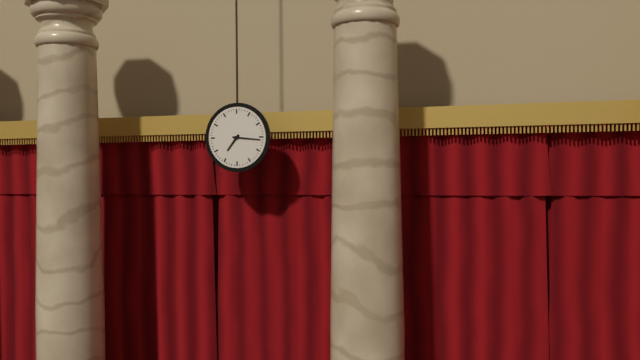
7:16
